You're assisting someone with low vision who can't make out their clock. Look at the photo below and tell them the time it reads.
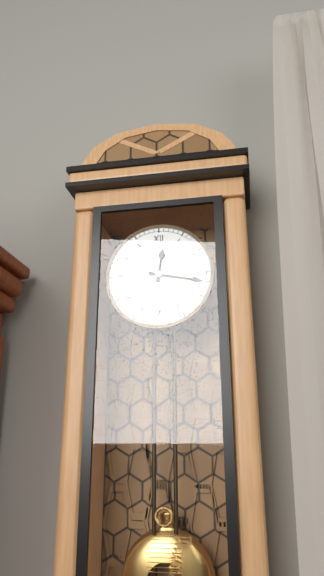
12:17
